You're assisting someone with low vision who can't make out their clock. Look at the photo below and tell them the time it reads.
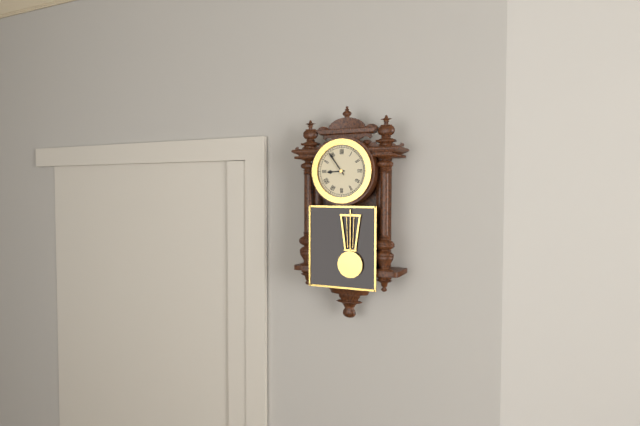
8:54
